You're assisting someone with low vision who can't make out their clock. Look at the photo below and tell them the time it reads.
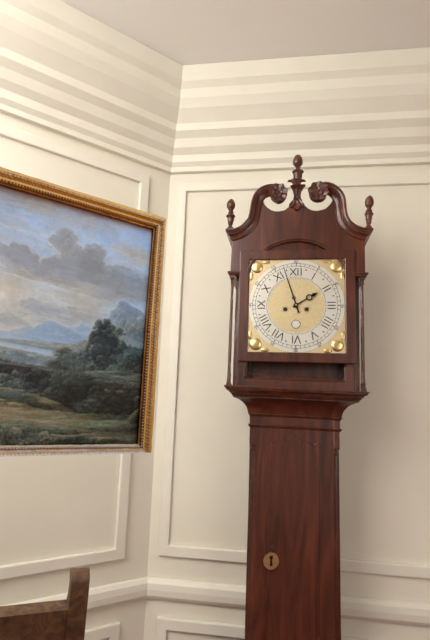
1:57
